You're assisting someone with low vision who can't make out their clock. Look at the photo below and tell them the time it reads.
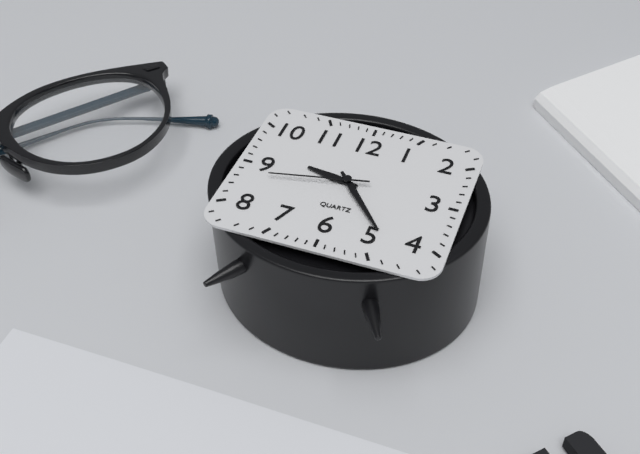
9:23:43
